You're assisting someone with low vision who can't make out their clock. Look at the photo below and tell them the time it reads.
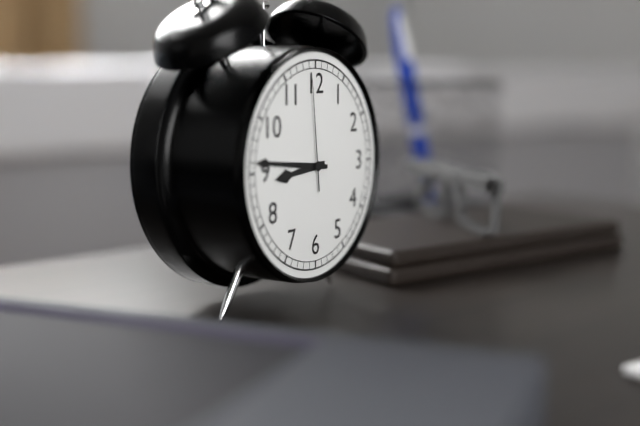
8:46:59
